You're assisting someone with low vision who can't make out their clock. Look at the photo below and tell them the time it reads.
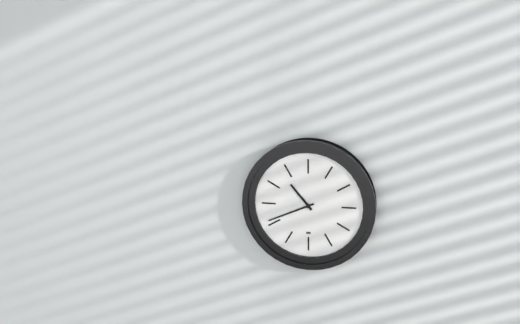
10:41
